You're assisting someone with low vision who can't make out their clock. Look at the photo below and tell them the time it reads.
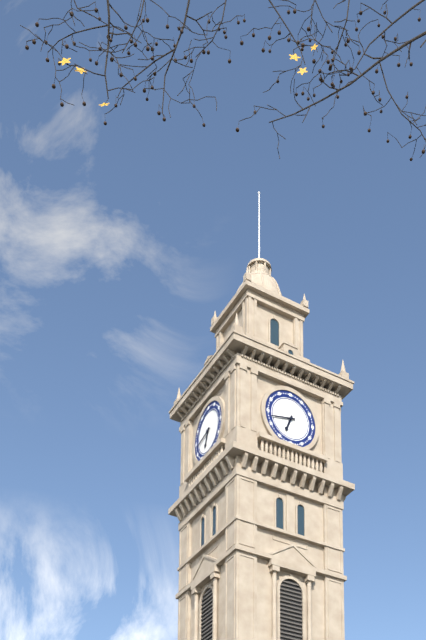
6:43
